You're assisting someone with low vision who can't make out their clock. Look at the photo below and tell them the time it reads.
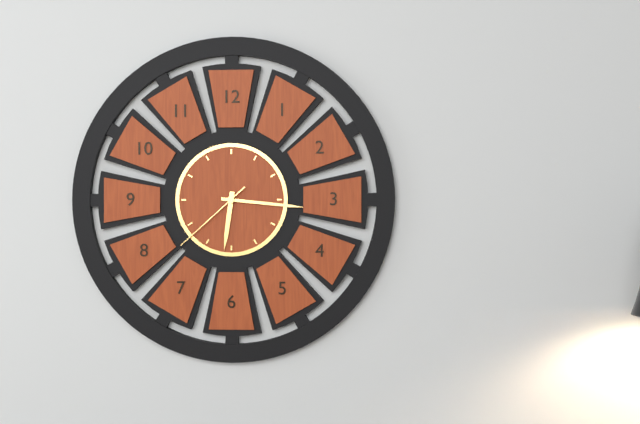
6:16:38
